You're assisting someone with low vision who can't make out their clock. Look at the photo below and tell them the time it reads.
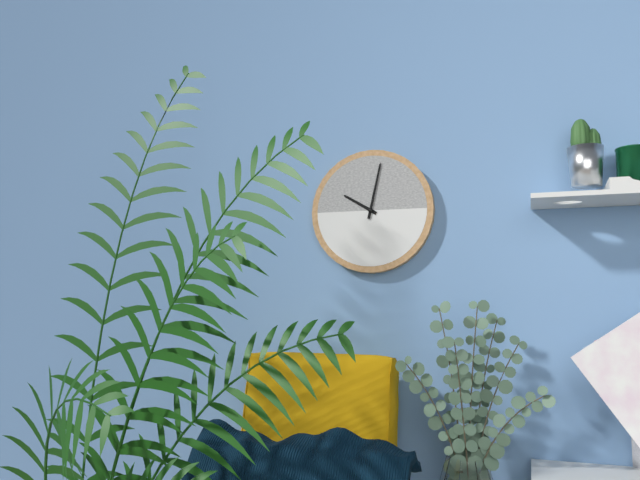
10:02
